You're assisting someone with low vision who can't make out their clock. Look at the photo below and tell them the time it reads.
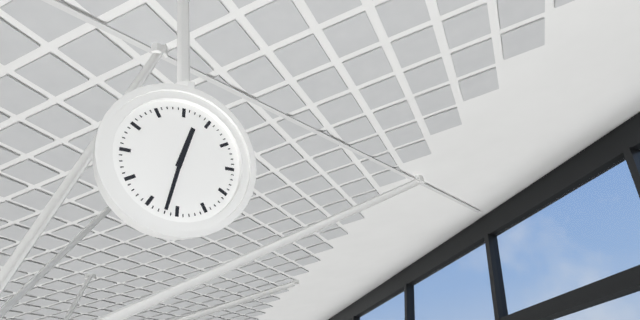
12:32
